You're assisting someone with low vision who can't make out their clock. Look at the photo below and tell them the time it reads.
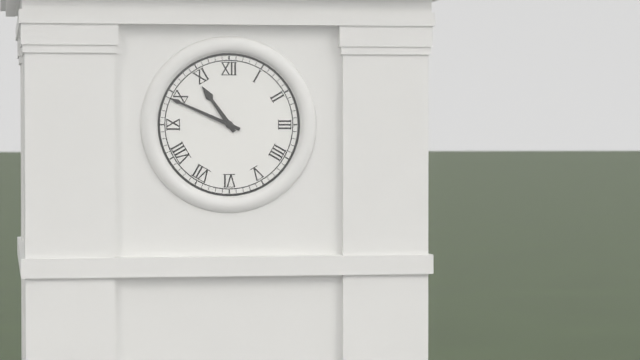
10:49
